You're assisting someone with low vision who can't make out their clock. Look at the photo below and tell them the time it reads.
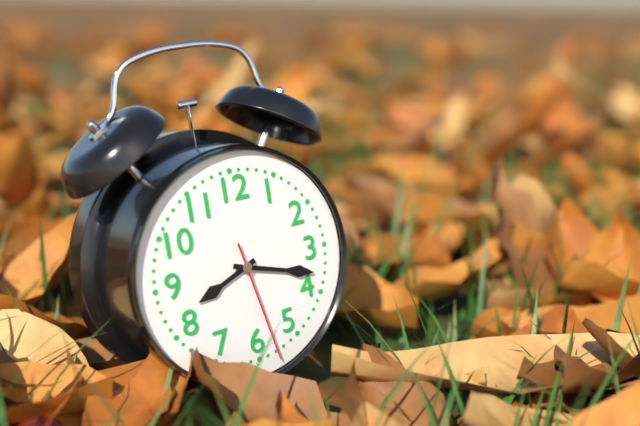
8:18:28
